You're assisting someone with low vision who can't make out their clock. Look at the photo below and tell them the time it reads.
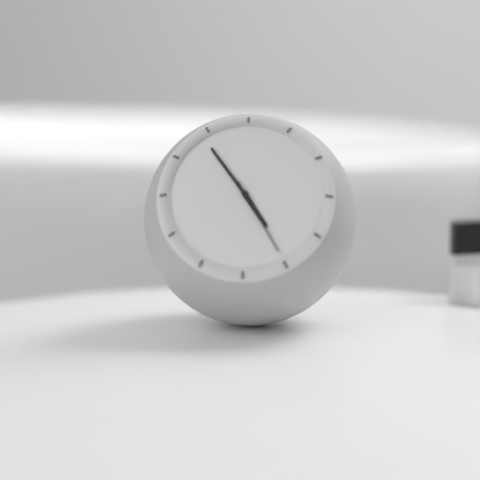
4:54:25
